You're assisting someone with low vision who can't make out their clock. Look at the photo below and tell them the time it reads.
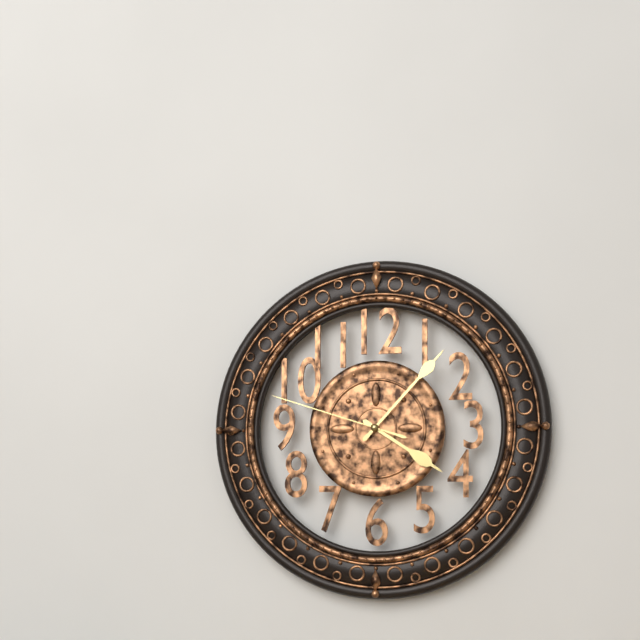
4:07:48
